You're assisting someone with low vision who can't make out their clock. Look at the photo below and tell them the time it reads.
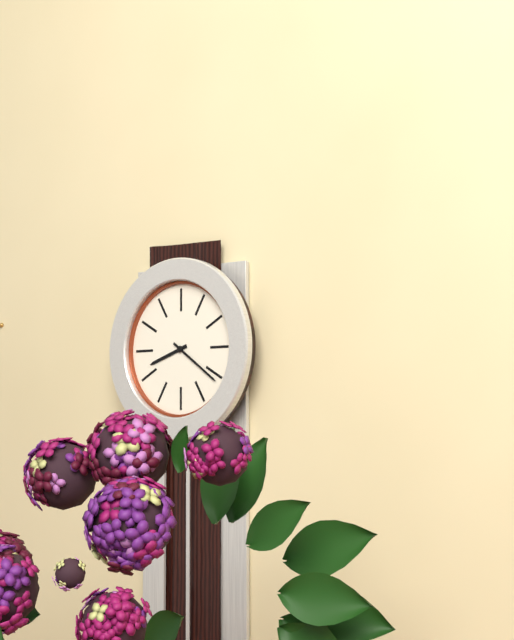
8:21
